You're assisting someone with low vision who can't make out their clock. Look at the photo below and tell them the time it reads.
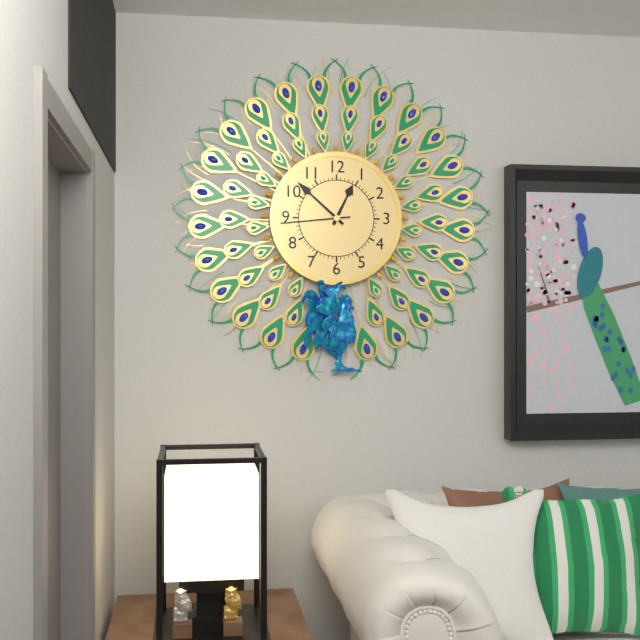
12:52:44
